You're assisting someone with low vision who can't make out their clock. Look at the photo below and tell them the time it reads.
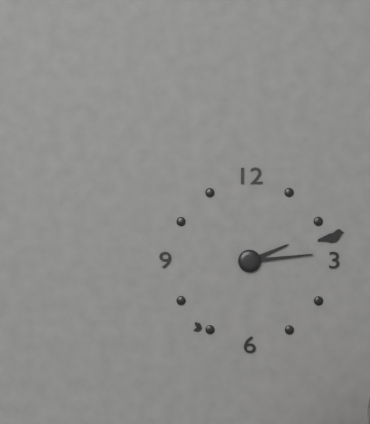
2:14
